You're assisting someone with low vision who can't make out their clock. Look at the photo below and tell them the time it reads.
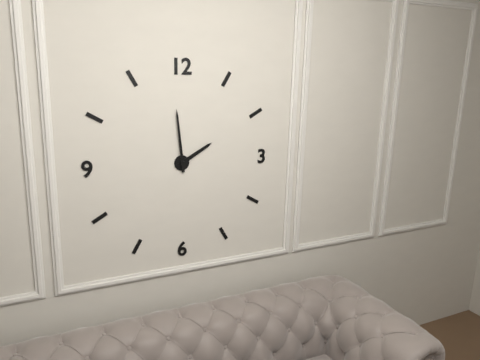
1:59
